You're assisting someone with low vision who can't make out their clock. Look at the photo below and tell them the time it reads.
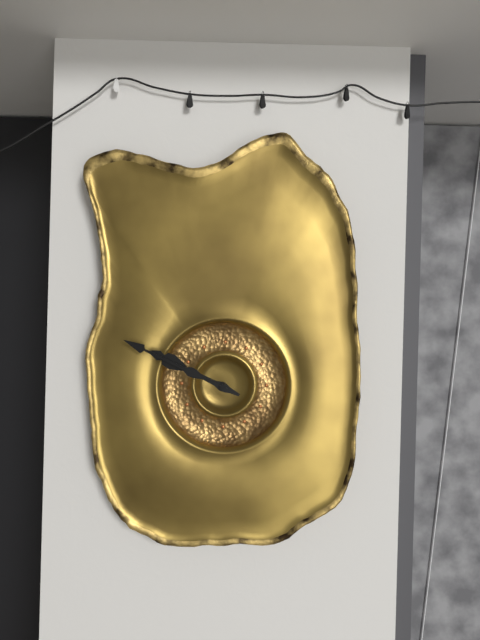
9:49
